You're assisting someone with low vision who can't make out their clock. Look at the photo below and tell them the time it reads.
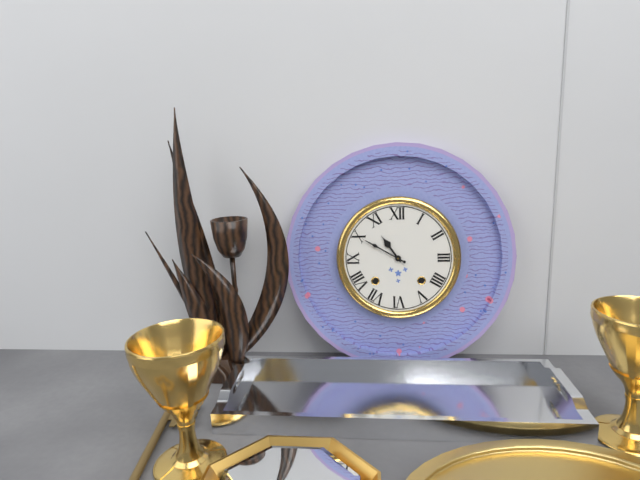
10:50
